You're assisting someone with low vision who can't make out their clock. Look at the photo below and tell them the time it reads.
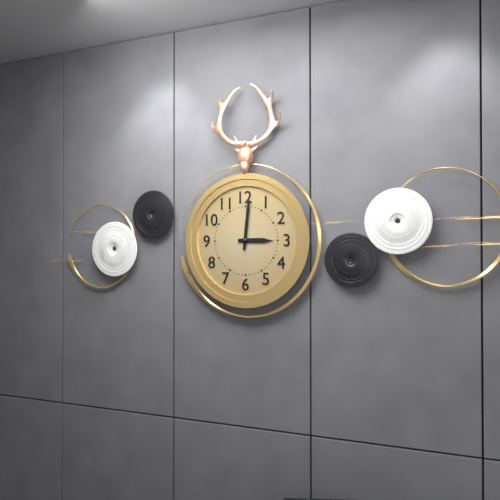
3:01
